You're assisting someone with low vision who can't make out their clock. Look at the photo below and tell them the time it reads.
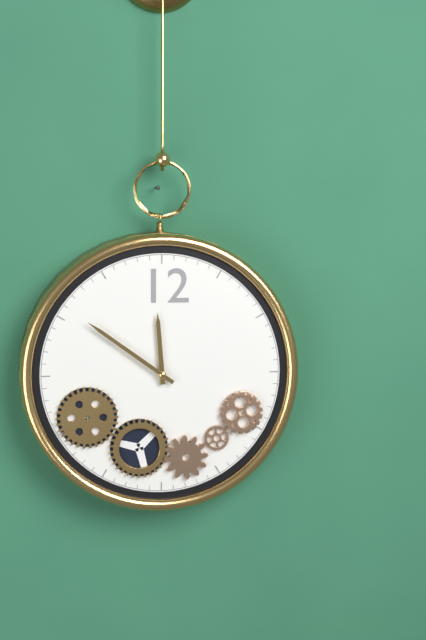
11:51
